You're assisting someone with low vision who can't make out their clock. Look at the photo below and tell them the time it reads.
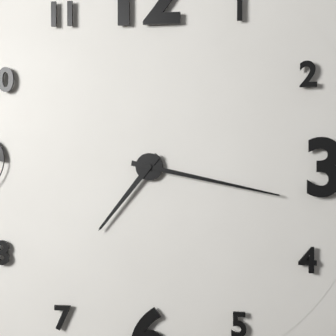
7:17
